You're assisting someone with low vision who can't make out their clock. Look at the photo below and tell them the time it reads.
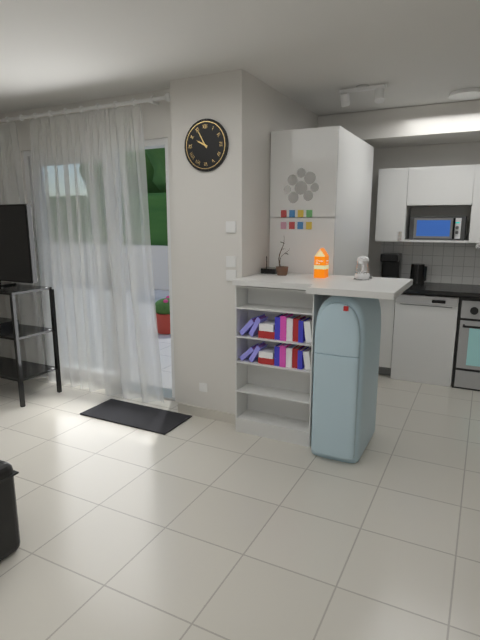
9:55
